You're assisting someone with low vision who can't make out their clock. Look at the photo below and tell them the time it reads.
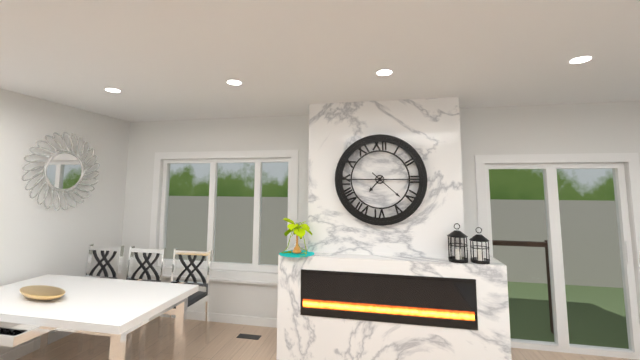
7:22
